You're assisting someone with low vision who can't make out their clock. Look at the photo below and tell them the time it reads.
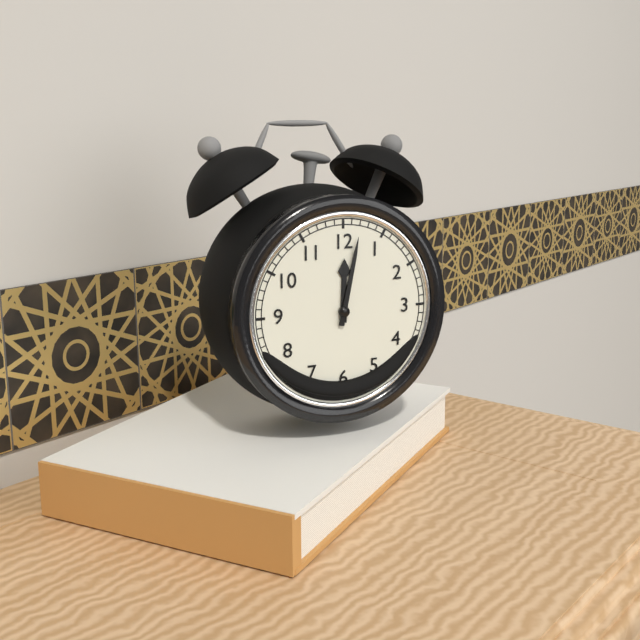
12:02
